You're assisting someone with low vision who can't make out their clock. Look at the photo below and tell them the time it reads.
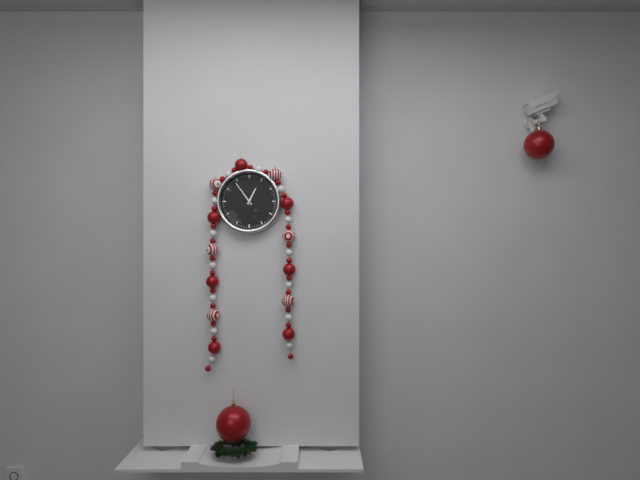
12:54
